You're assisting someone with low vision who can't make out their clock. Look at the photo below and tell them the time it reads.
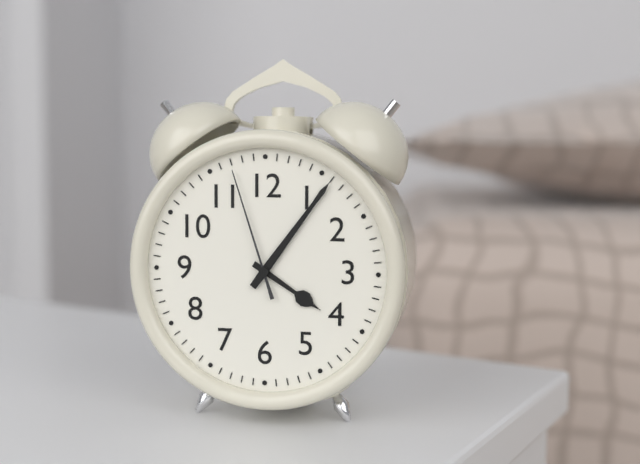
4:06:57
